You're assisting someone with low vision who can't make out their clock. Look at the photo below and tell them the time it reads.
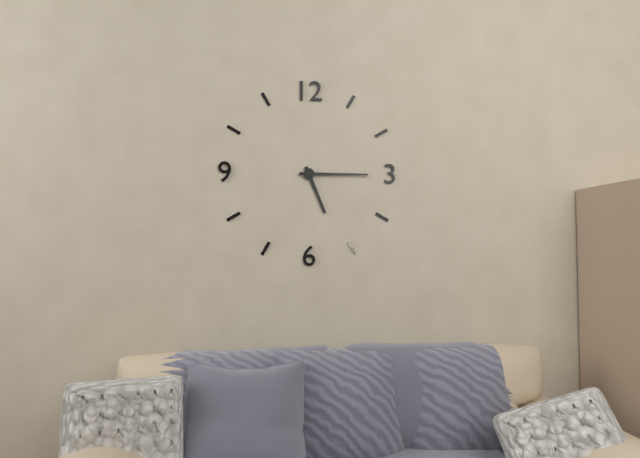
5:15
